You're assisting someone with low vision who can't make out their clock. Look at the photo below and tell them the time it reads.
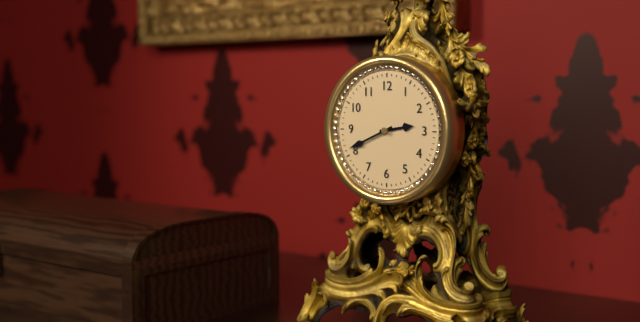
2:41
